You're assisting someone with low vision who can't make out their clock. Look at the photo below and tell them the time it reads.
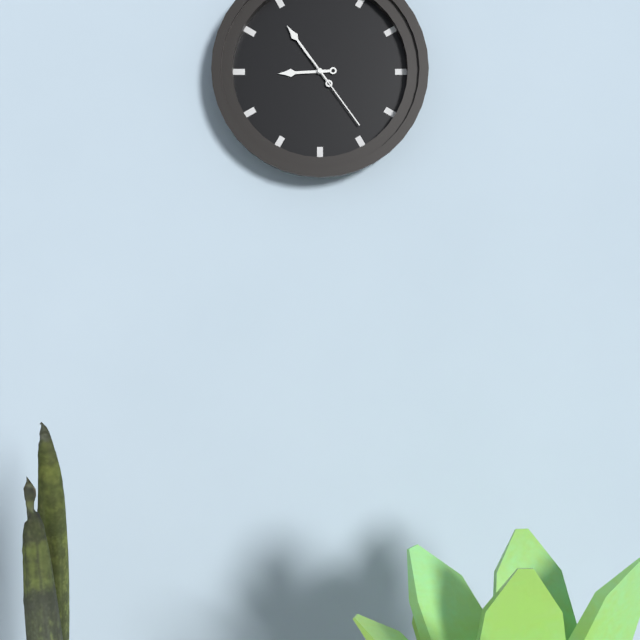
8:54:24
